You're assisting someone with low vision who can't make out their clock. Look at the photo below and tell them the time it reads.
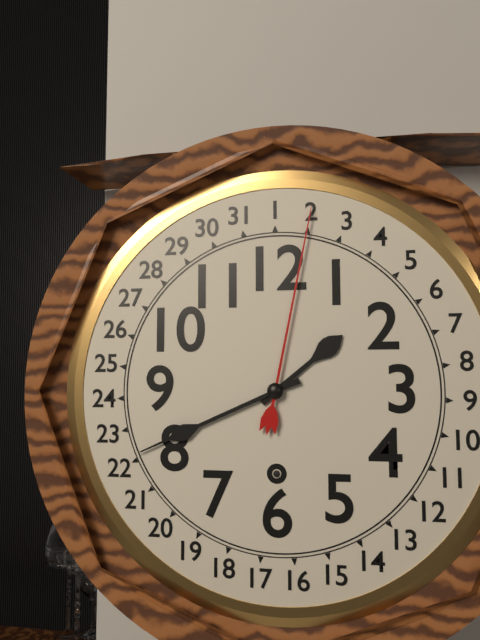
1:41
